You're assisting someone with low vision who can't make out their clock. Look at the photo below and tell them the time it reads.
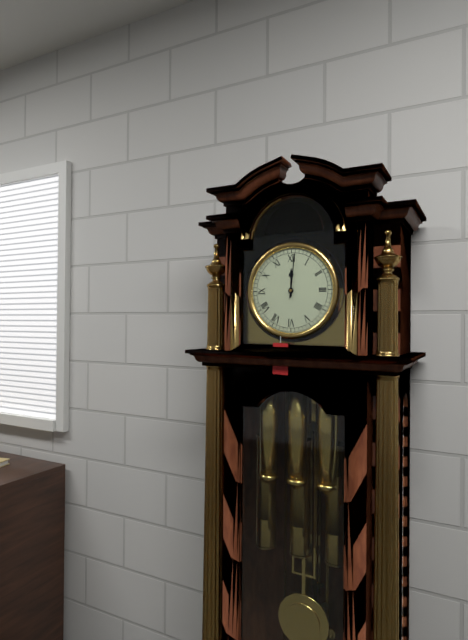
12:01
